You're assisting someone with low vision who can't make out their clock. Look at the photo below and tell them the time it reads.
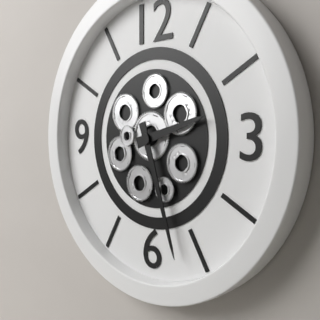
2:27
